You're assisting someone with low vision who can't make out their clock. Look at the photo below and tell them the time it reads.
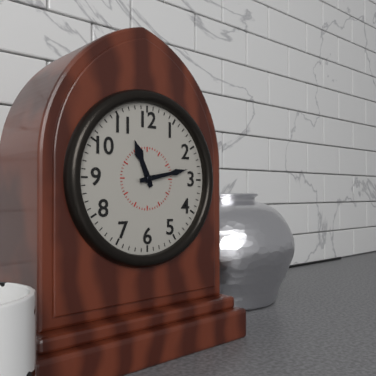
11:13
